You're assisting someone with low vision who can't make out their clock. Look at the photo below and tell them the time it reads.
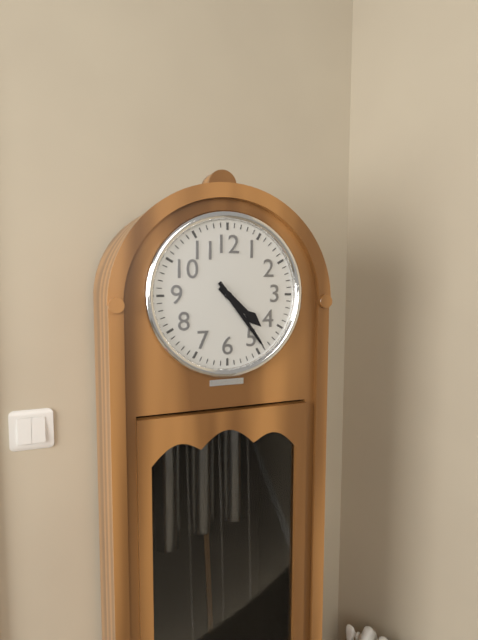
4:24
